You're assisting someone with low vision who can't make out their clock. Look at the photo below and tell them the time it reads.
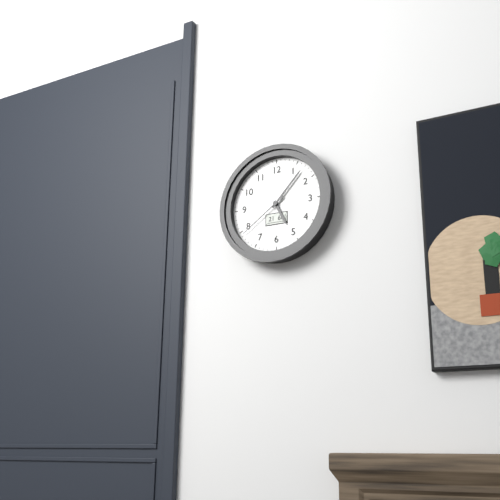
5:07:39
